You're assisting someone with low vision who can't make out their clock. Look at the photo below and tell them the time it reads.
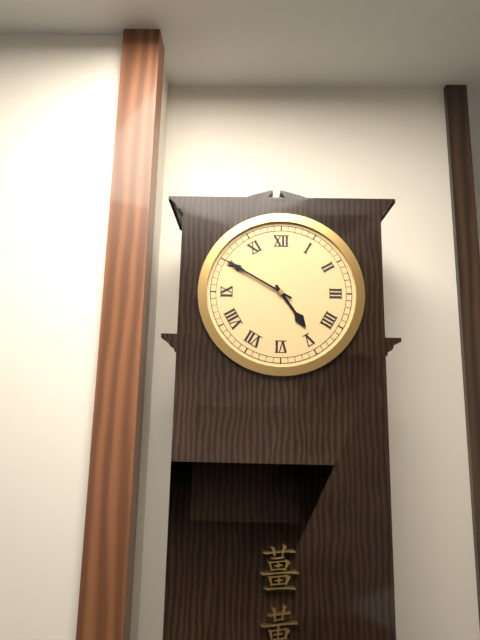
4:50
